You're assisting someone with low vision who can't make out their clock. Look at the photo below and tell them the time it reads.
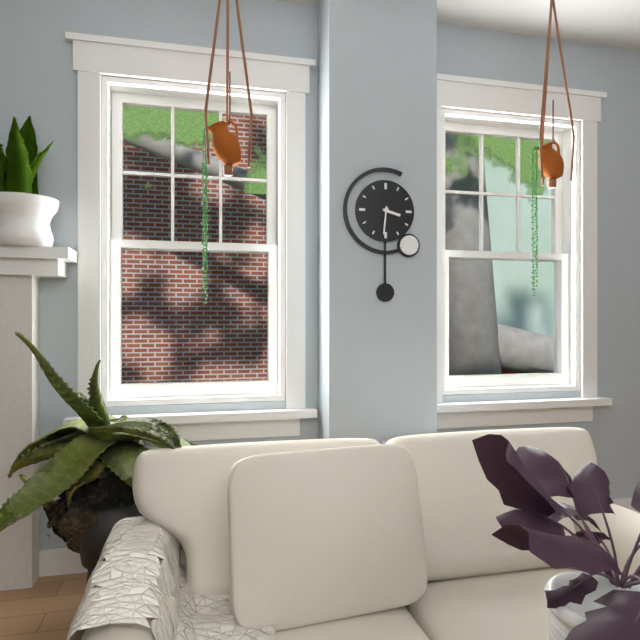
3:31
